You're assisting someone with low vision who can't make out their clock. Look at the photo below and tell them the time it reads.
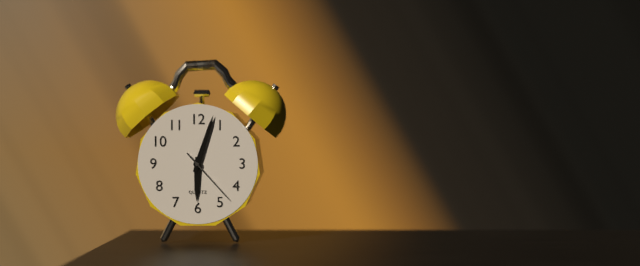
6:03:23
